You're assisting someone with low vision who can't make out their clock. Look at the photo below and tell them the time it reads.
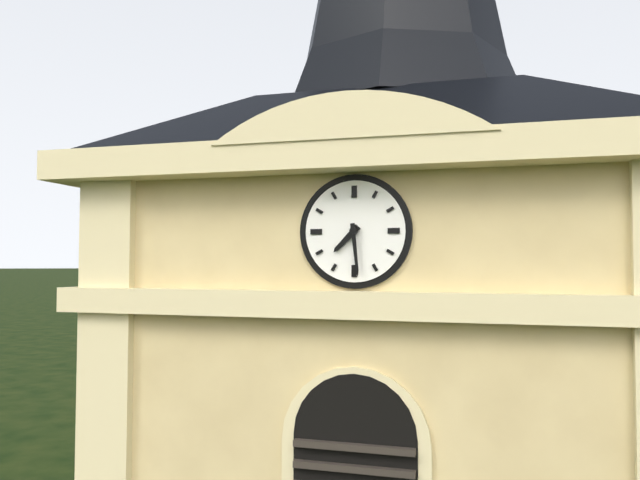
7:29
